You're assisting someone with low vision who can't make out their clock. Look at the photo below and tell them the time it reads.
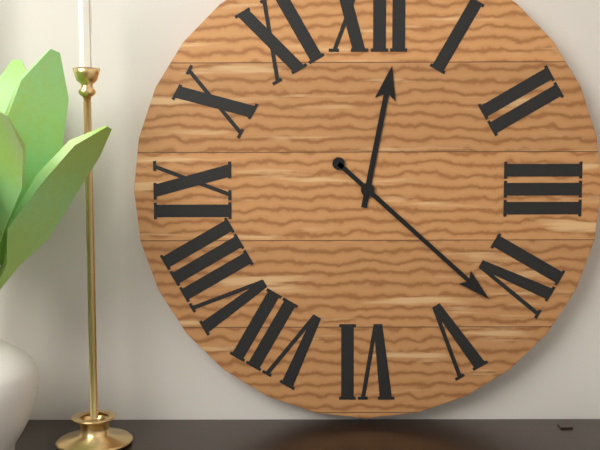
12:22
